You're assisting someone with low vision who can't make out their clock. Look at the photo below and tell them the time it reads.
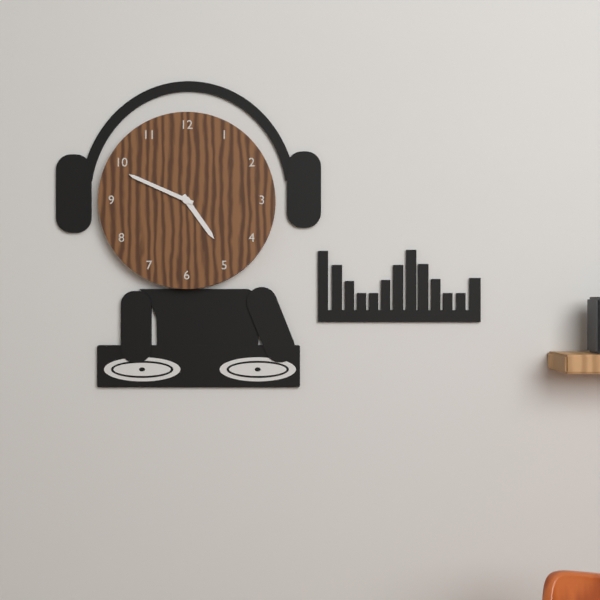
4:49
